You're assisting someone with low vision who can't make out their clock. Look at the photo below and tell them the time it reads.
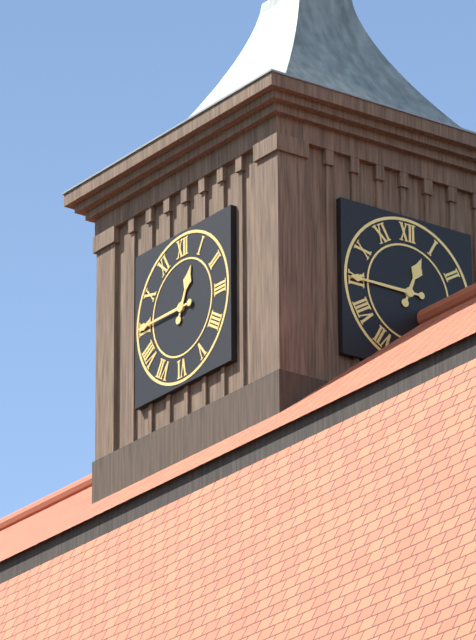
12:45
